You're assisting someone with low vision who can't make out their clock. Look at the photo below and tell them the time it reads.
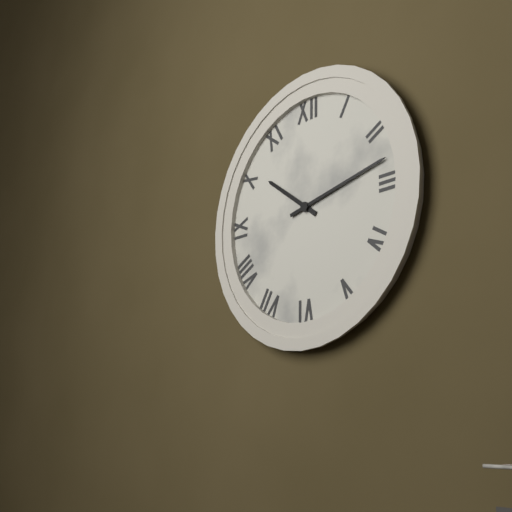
10:13
